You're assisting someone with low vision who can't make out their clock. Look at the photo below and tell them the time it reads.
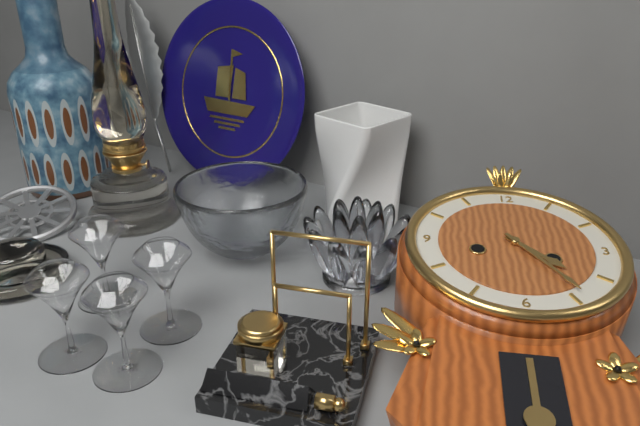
4:24
